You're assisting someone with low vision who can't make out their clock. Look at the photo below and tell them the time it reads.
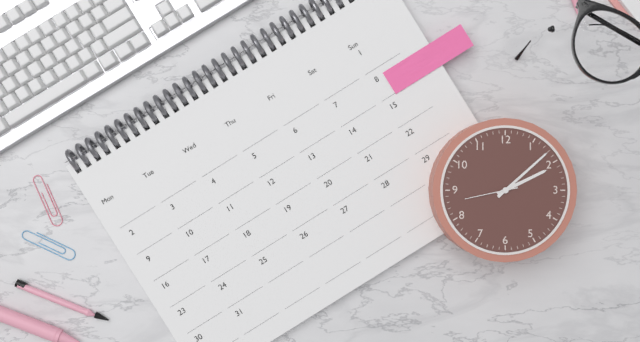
2:08
